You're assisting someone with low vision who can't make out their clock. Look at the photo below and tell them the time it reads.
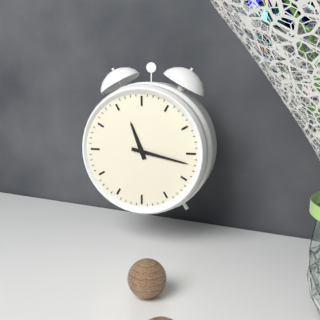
11:17
